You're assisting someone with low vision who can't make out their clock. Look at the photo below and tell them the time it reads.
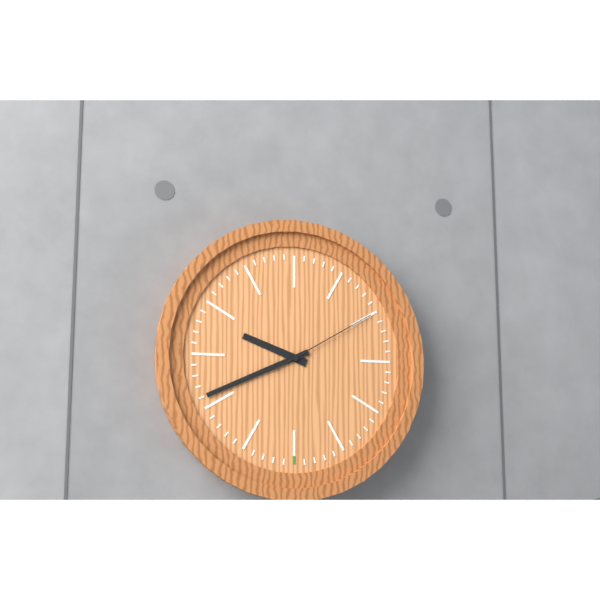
9:41:10
